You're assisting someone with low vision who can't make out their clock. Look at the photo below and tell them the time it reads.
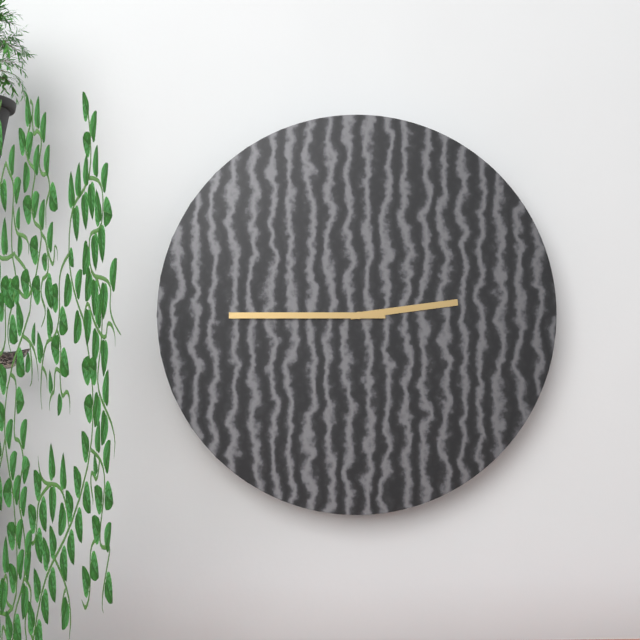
2:45
